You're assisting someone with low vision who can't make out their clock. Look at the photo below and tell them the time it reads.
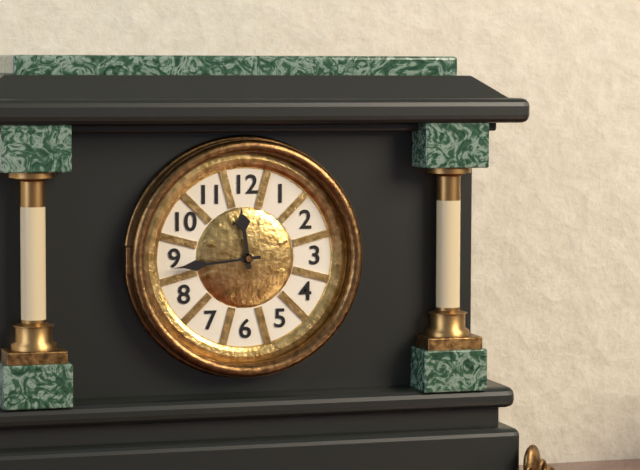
11:44
